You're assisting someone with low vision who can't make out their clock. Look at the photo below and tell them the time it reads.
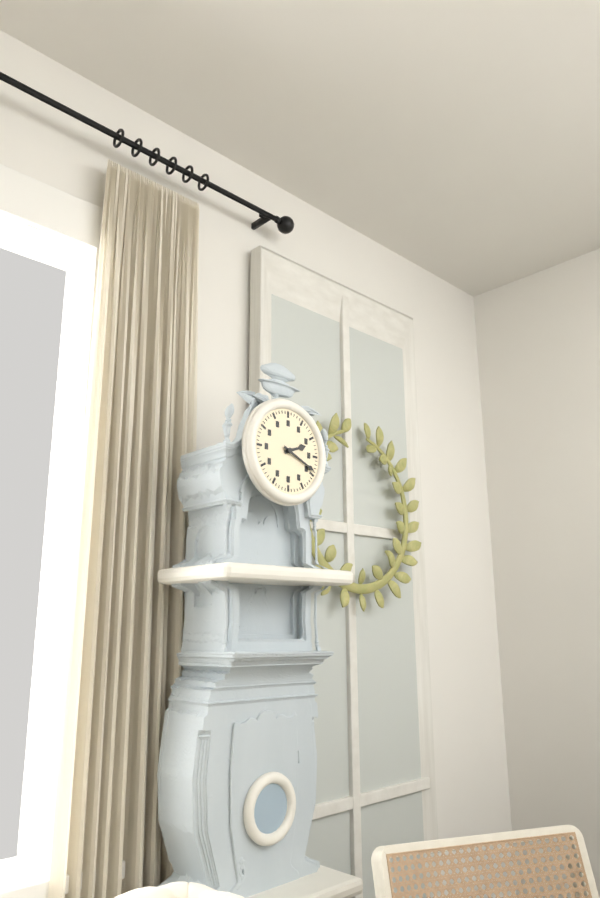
2:19
